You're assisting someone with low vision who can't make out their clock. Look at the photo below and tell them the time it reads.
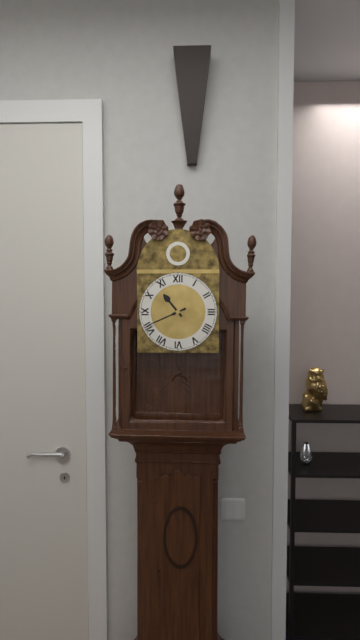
10:41
